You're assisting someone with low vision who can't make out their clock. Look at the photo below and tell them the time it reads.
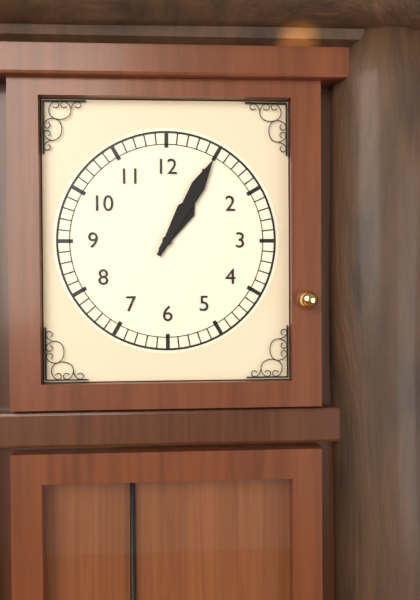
1:05
